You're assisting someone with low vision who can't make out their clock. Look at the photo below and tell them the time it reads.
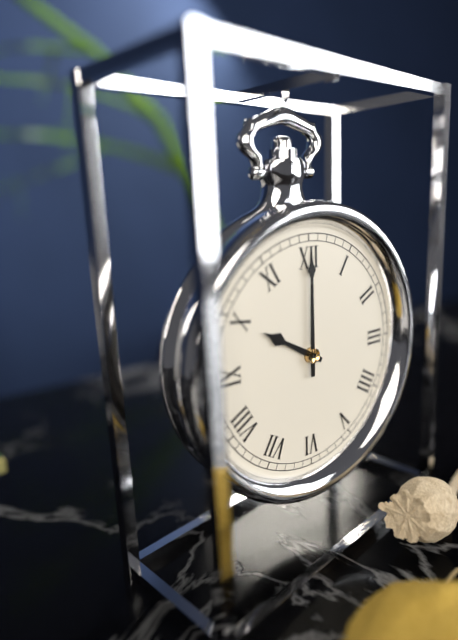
10:00
